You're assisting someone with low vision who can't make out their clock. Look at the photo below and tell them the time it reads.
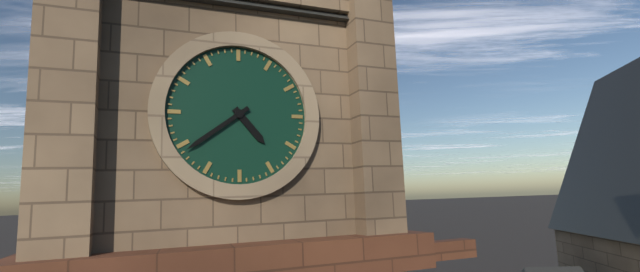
4:39
